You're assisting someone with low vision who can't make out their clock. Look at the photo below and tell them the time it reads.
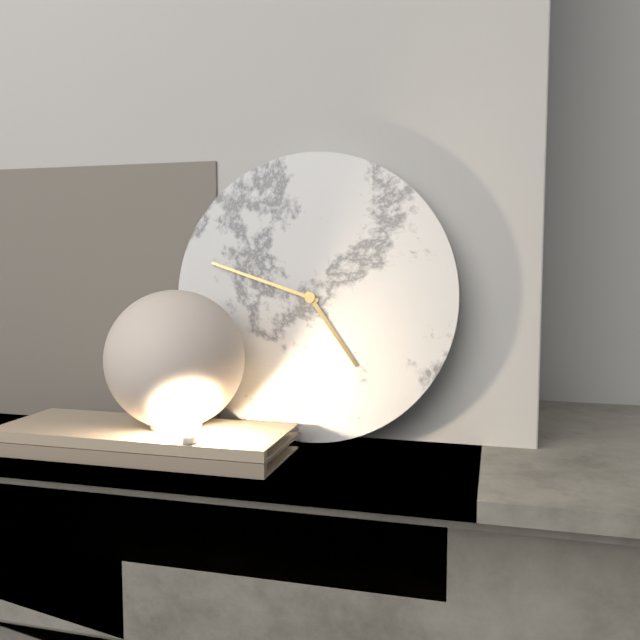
4:48
